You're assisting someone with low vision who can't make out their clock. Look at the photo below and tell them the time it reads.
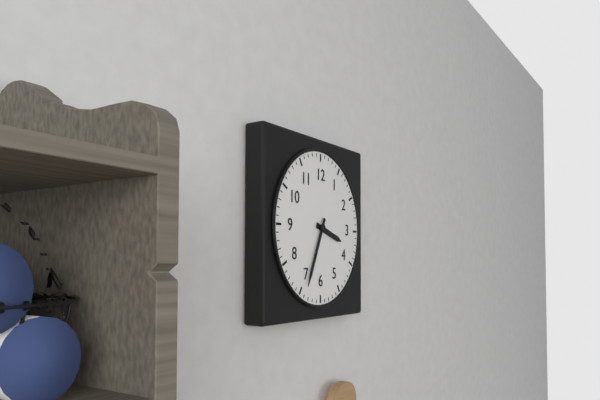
3:34
